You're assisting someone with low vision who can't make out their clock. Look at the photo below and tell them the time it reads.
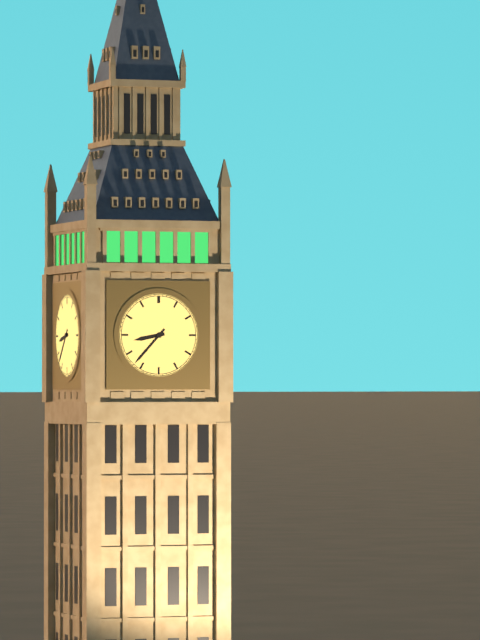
8:37
